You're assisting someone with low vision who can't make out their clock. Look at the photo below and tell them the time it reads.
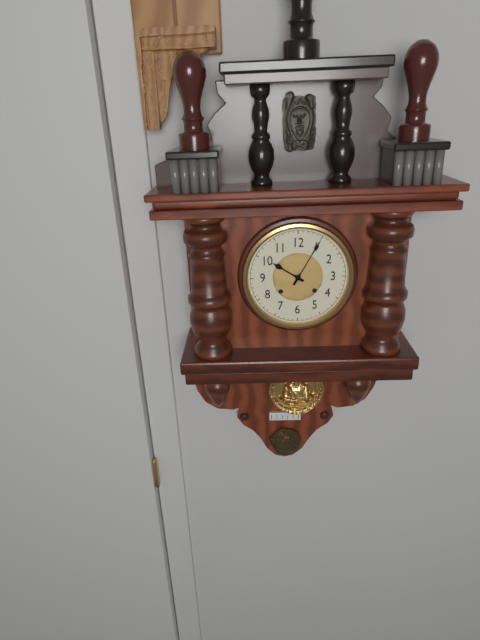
10:05
